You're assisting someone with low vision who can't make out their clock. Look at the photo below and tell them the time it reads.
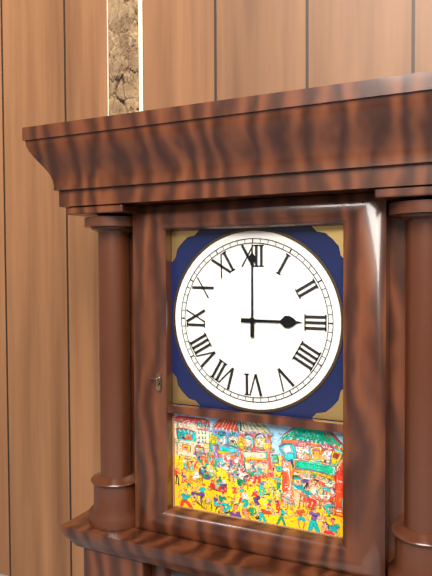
3:00
